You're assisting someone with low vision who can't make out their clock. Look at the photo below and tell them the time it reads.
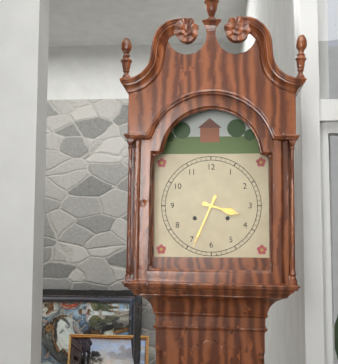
3:34
